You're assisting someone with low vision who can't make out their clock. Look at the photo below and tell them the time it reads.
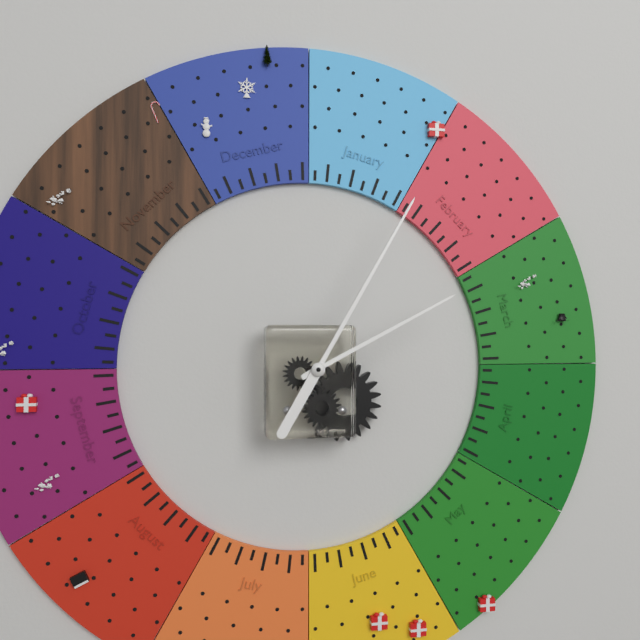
2:05
